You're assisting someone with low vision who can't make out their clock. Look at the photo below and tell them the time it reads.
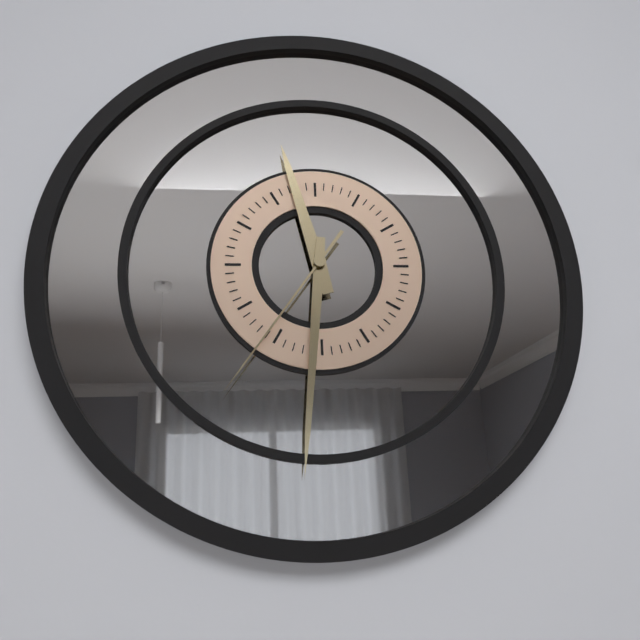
11:31:36
